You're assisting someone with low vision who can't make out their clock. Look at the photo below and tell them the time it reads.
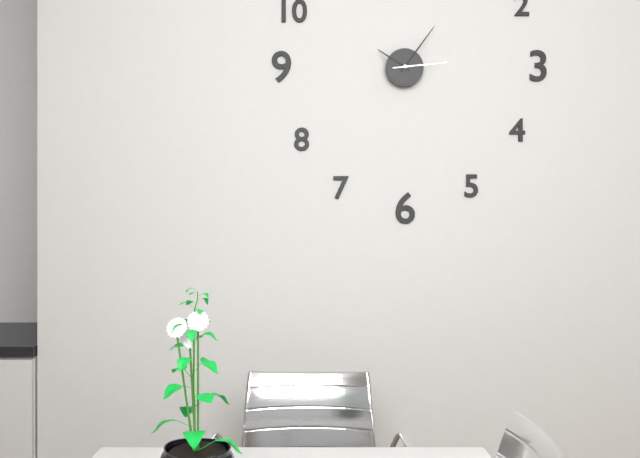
10:06:14
